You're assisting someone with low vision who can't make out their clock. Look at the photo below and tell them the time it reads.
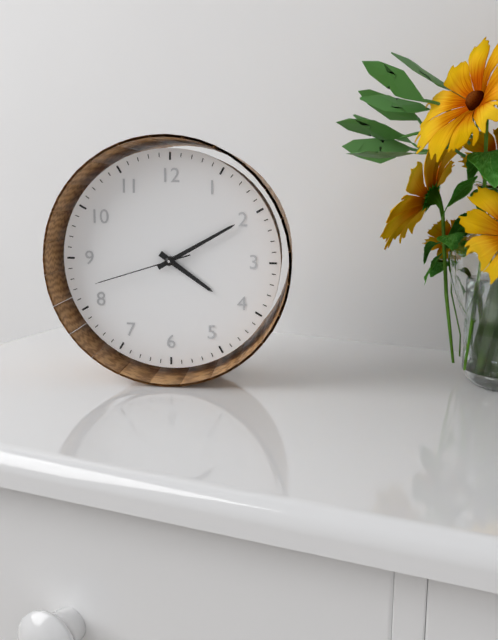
4:10:42
